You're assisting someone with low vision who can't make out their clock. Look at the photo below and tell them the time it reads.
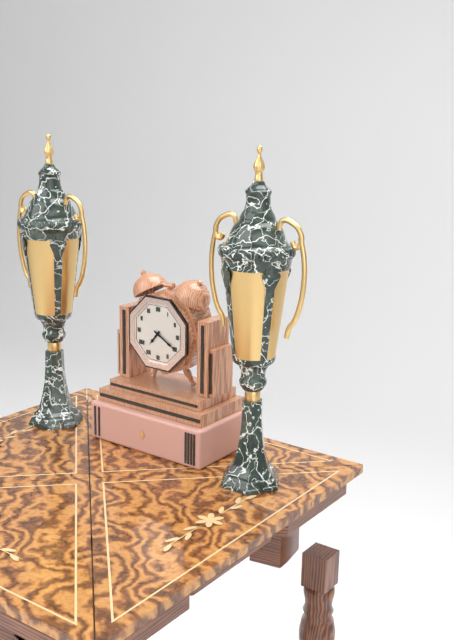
7:20
